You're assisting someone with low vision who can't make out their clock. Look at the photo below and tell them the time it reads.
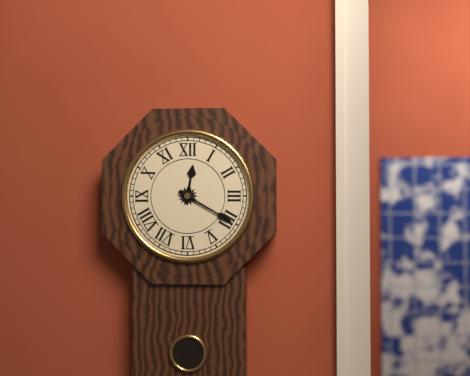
12:20
